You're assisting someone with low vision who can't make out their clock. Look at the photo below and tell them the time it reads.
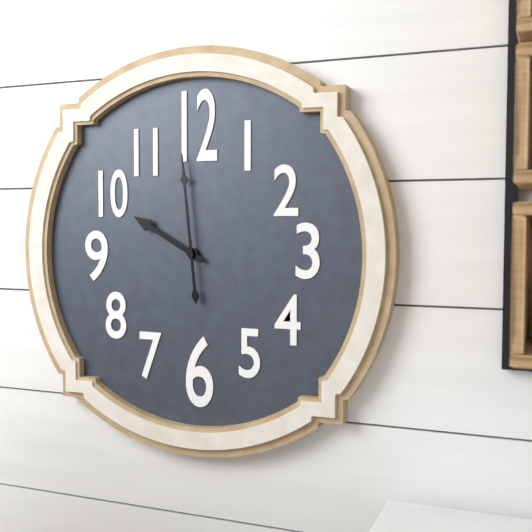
9:59
